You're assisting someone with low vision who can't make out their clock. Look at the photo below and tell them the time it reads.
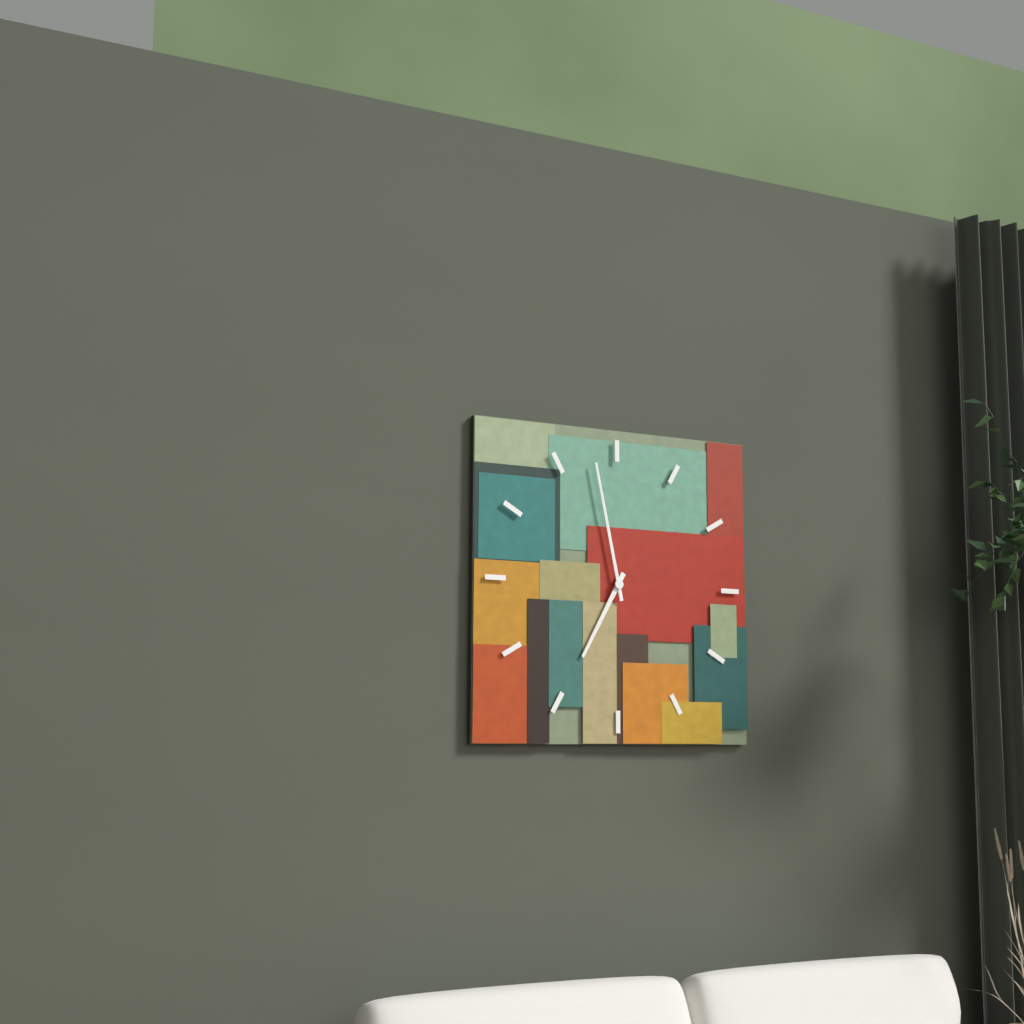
6:58
